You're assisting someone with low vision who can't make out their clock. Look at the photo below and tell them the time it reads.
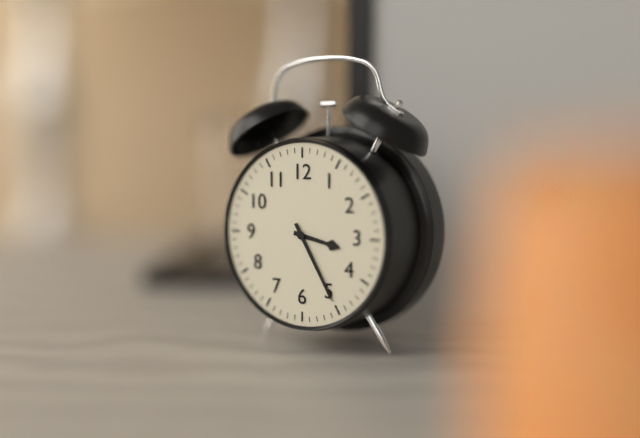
3:25
